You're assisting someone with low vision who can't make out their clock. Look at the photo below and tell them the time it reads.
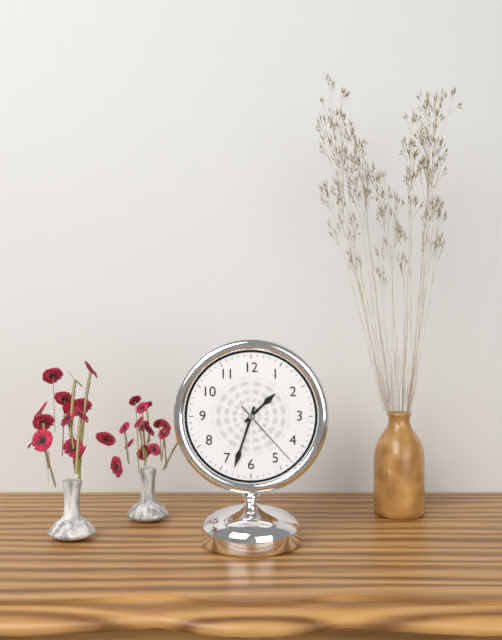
1:33:23
